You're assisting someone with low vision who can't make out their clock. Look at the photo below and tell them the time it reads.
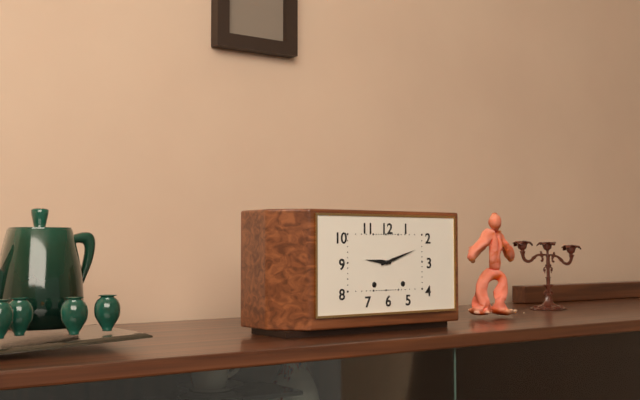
9:12
